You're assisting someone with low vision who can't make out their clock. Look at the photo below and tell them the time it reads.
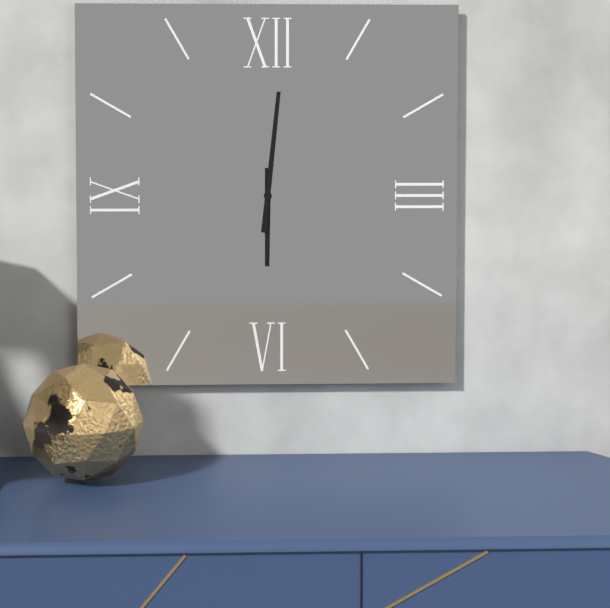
6:01
